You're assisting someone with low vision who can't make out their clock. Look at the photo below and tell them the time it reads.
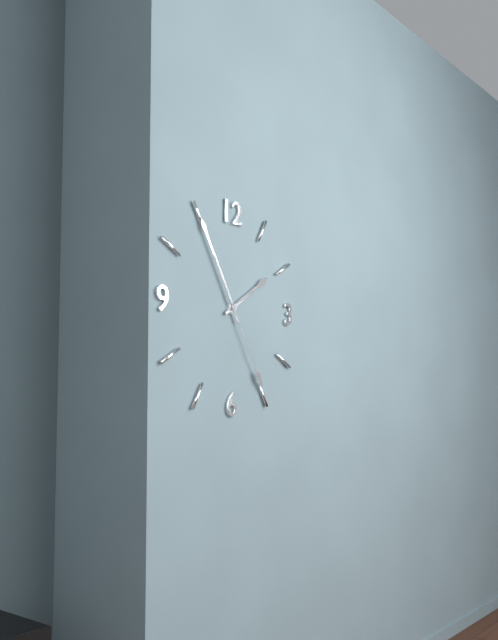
1:55:25
